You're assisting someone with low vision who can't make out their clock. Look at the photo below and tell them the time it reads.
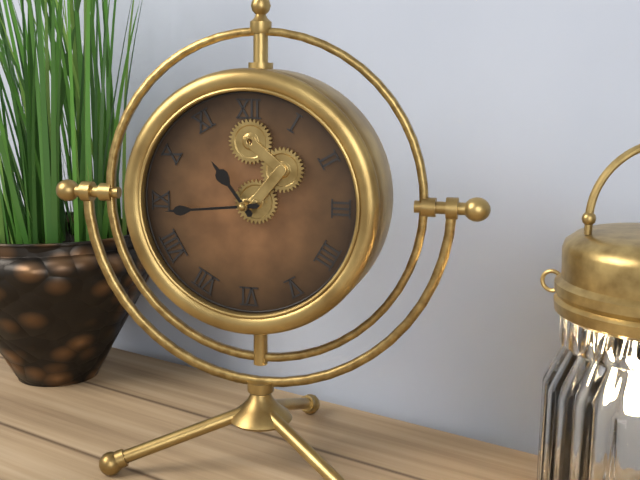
10:44
